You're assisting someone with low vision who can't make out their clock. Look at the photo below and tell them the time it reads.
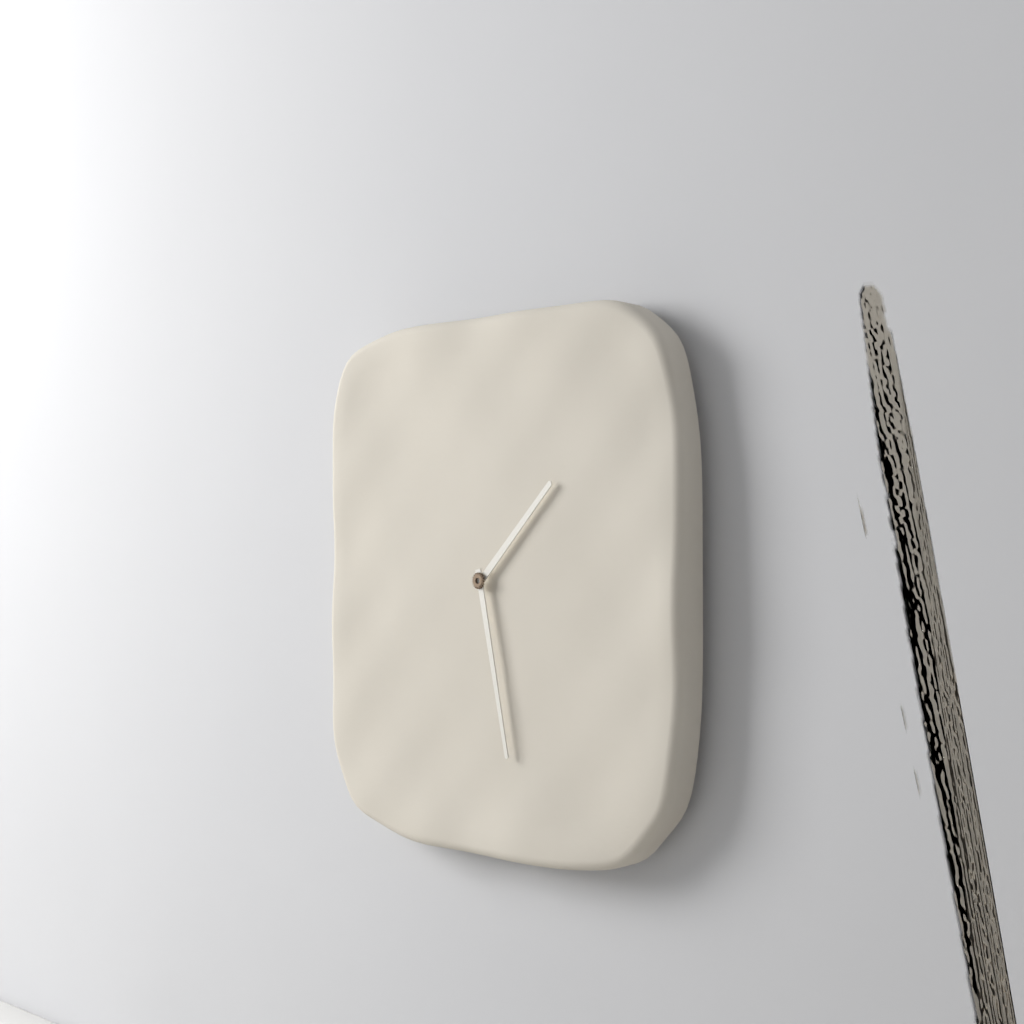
1:28
